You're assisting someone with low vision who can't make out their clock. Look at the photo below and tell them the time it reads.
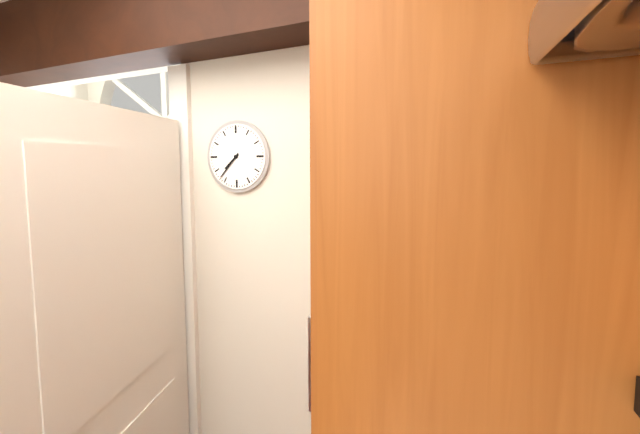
7:37
